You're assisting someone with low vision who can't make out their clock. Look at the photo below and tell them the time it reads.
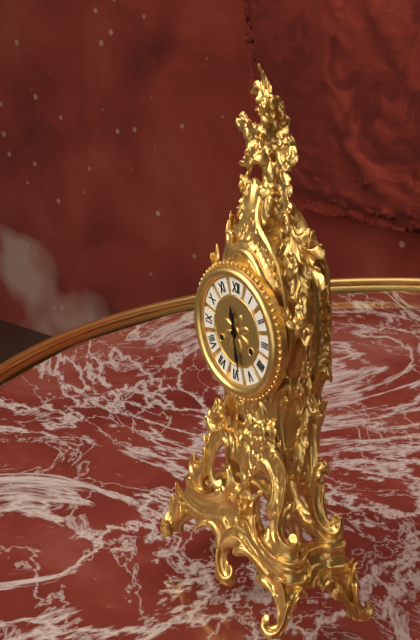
11:28
